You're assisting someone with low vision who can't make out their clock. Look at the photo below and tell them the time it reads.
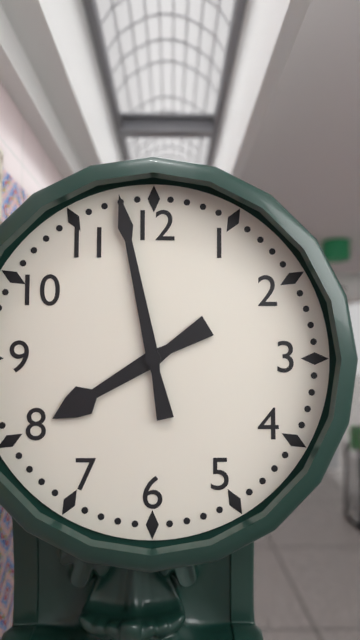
7:58
